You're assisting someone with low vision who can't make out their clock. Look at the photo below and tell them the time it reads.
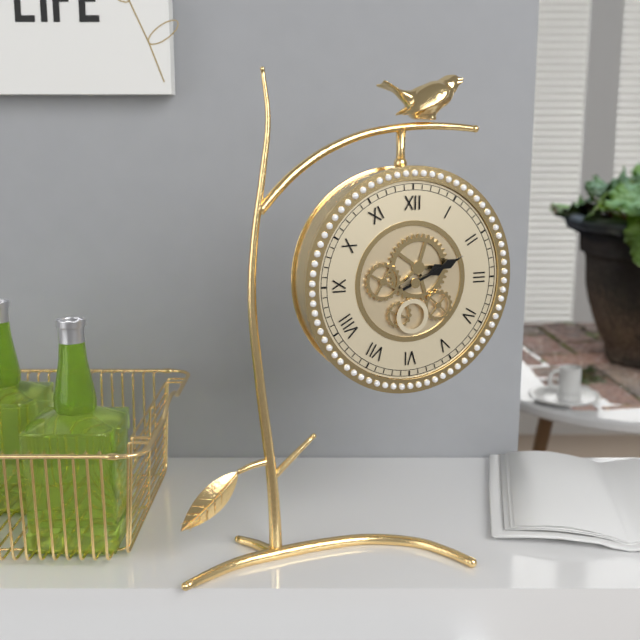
2:11
